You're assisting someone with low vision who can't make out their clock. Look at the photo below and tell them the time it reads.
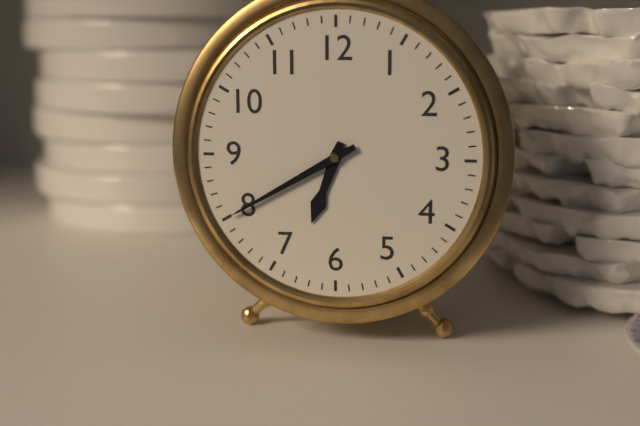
6:40
